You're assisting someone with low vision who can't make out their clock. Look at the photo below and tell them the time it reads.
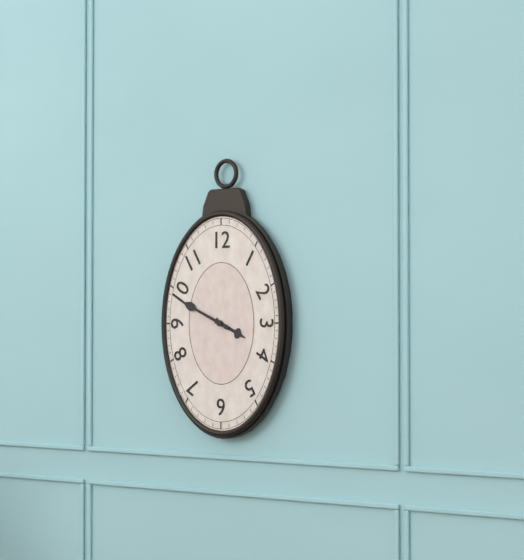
3:49
